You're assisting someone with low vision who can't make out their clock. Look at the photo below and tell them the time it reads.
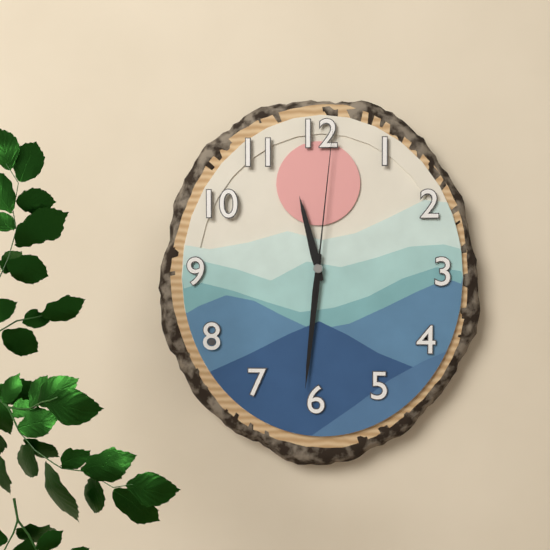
11:31:01
